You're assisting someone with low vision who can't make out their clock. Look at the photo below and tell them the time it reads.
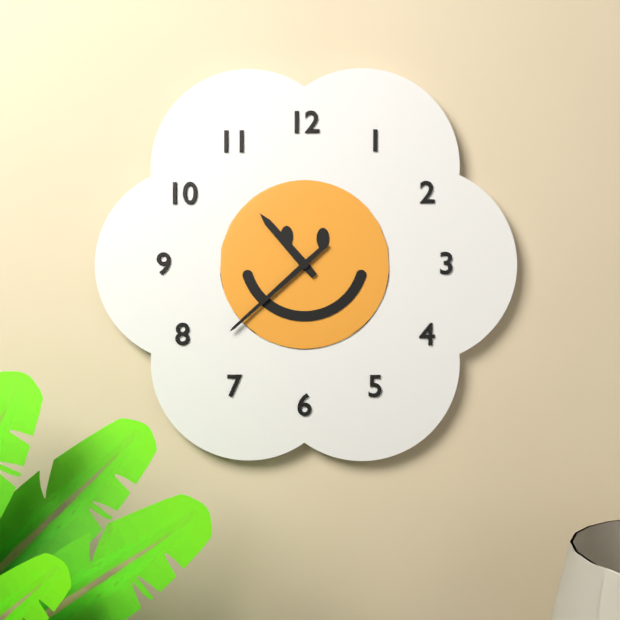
10:38
